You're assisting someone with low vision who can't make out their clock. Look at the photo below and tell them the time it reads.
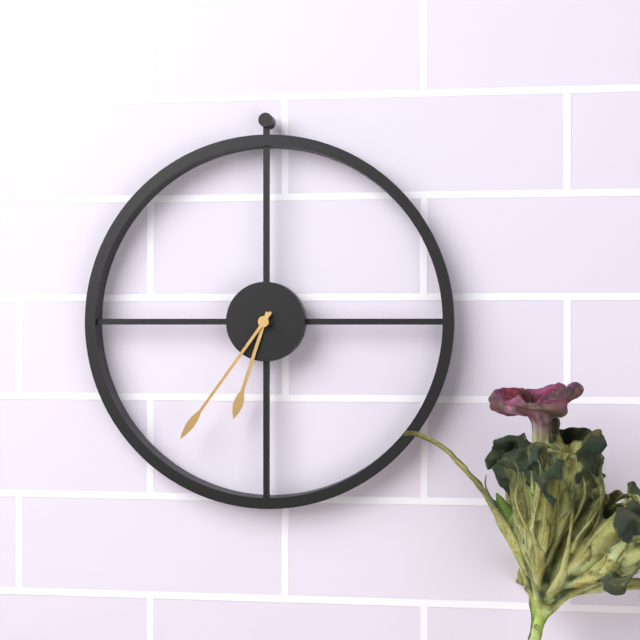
6:36
